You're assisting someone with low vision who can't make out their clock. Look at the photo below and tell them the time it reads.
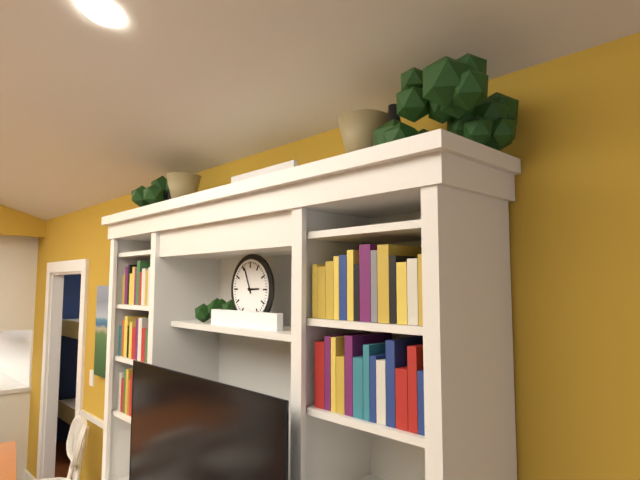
2:56
